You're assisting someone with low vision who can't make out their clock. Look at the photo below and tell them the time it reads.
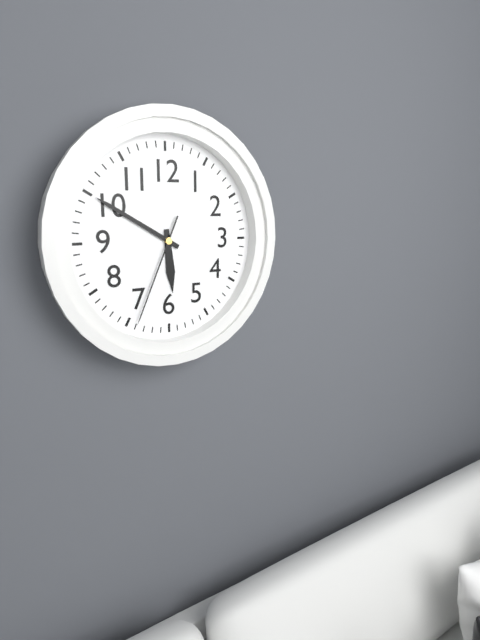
5:50:34
